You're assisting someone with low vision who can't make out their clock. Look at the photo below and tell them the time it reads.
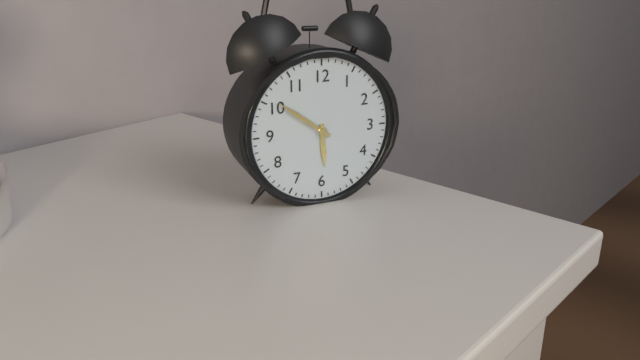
5:51
